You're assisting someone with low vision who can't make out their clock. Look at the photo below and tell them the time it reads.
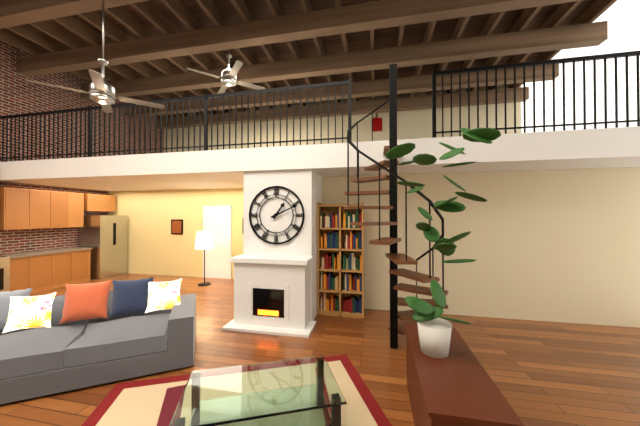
1:11
